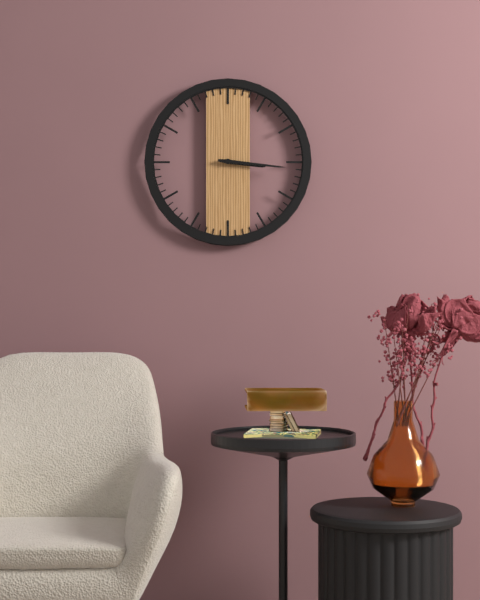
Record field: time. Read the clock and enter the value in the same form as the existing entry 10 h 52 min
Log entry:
3 h 16 min
